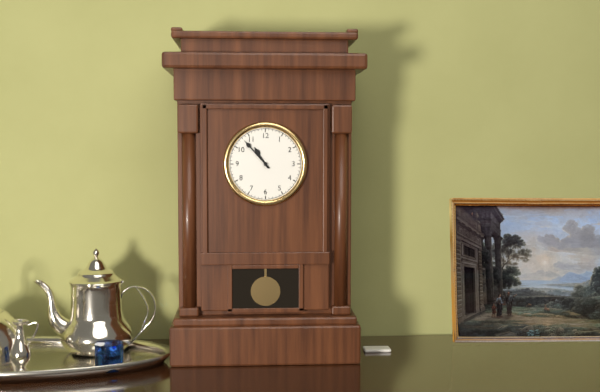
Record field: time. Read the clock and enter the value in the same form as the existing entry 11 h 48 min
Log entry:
10 h 53 min
